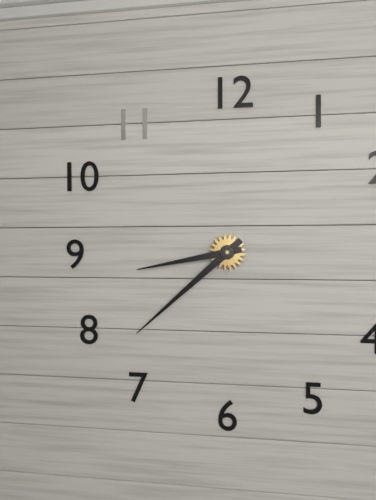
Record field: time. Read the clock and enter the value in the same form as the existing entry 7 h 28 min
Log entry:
8 h 38 min
